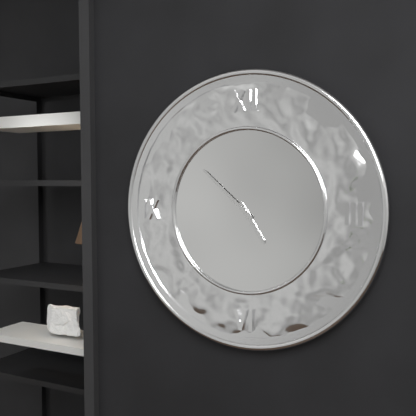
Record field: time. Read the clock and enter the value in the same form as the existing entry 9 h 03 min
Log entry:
4 h 52 min
